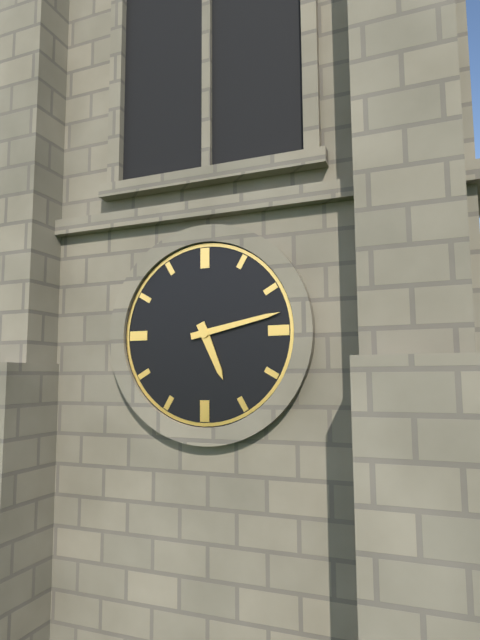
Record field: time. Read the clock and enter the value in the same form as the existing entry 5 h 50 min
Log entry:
5 h 13 min
